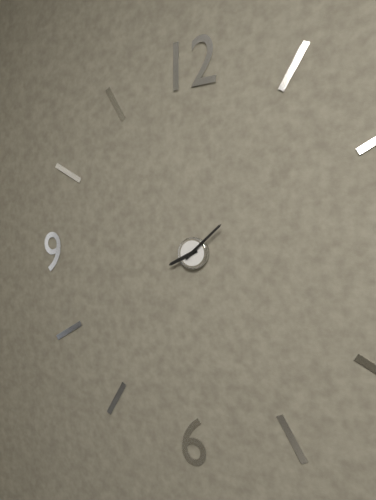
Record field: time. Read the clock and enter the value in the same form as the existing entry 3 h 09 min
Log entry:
8 h 08 min
